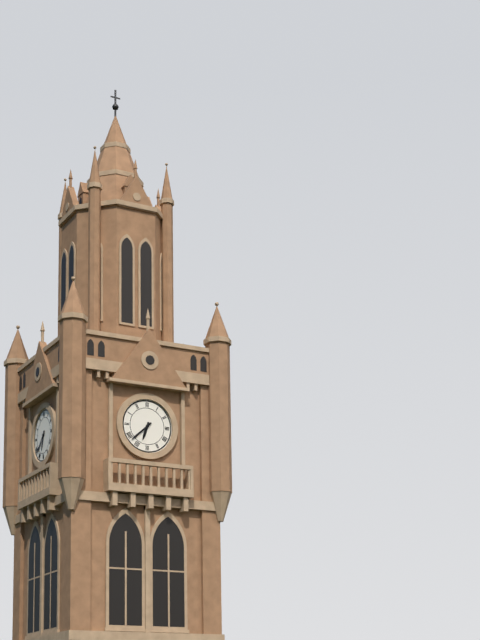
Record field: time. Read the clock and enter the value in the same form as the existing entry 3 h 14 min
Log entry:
6 h 38 min
